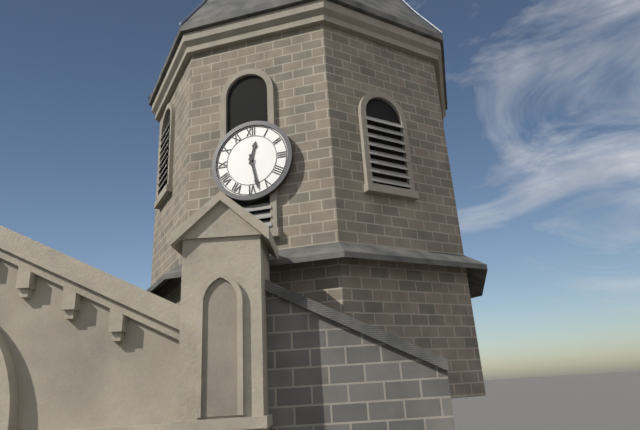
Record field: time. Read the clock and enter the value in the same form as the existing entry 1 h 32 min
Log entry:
12 h 28 min
